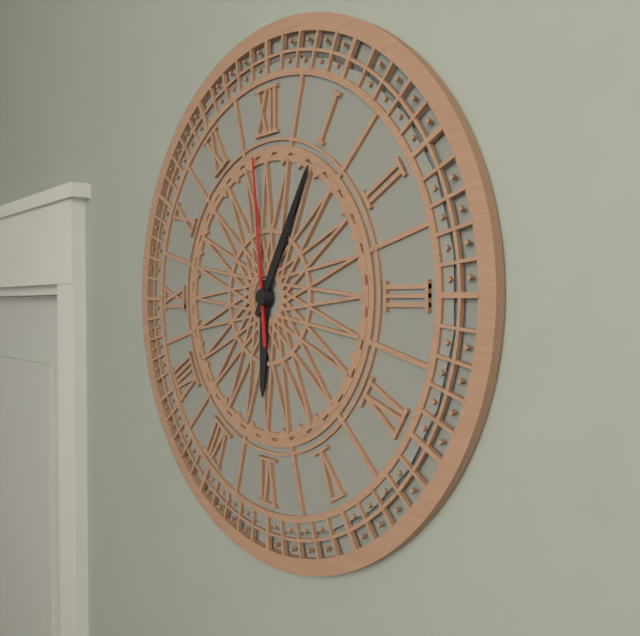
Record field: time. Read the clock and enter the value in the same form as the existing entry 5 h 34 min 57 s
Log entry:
6 h 05 min 59 s
